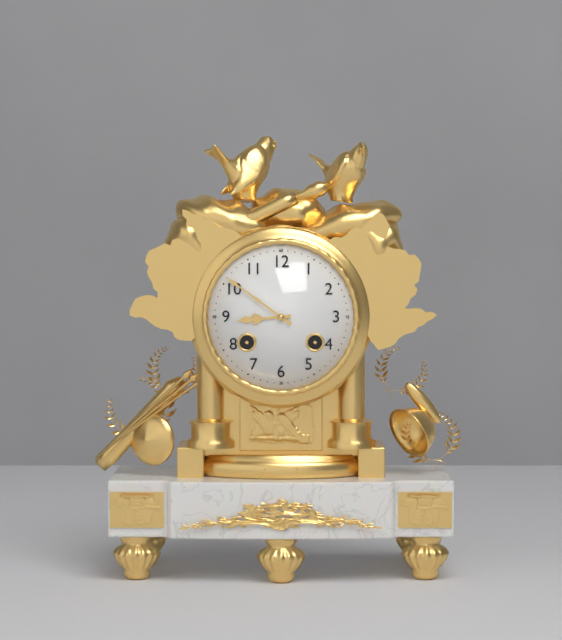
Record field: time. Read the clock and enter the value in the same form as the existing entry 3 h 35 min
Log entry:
8 h 51 min
